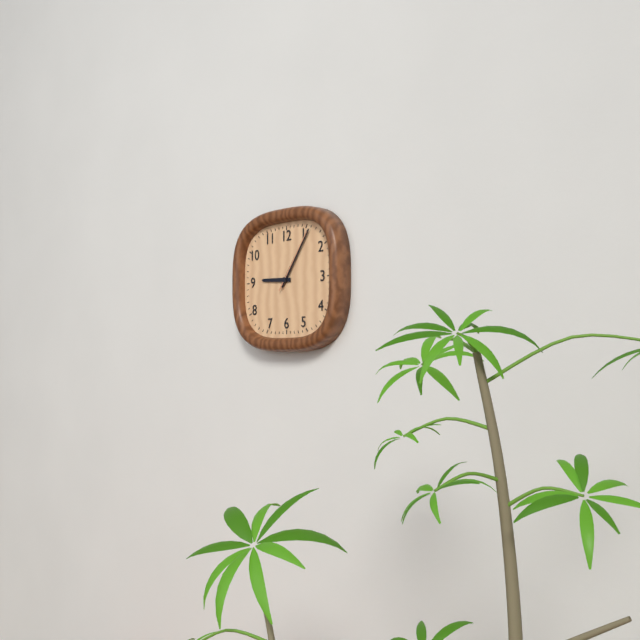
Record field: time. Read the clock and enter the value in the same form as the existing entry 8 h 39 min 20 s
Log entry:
9 h 06 min 06 s
